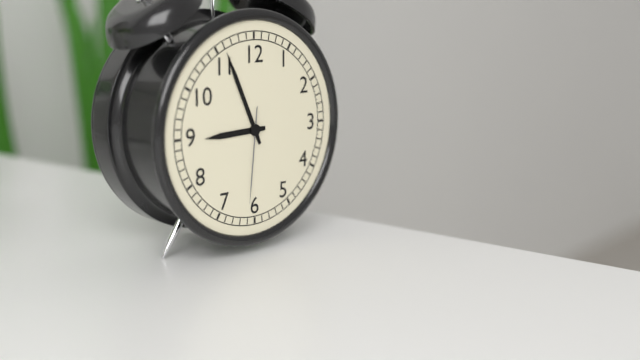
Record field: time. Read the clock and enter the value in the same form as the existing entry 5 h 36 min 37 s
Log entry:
8 h 56 min 31 s
